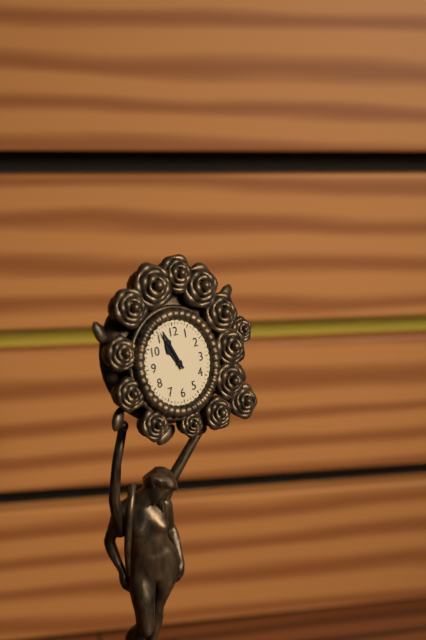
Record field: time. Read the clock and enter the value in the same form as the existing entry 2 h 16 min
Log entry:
10 h 56 min
